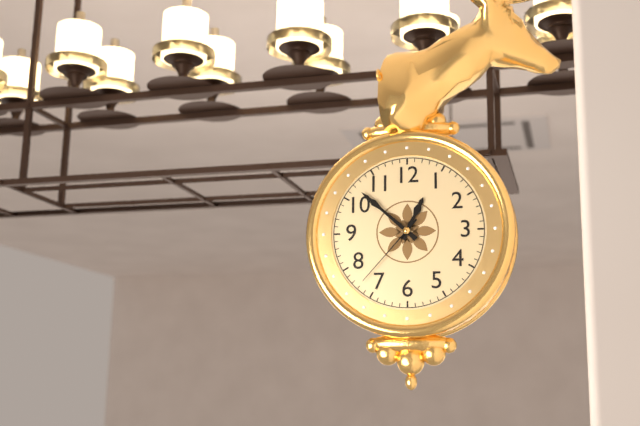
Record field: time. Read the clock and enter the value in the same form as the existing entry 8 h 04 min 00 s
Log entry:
12 h 52 min 37 s
